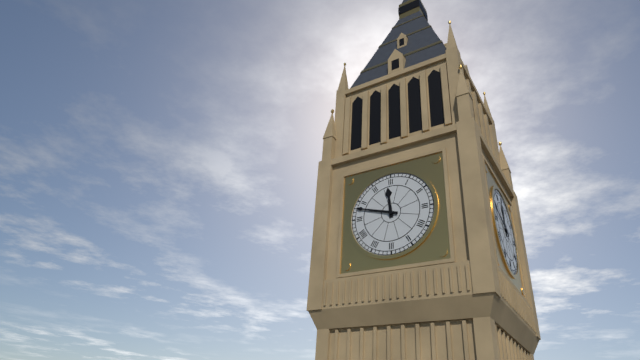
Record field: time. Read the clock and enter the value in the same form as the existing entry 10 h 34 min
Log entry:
11 h 48 min
